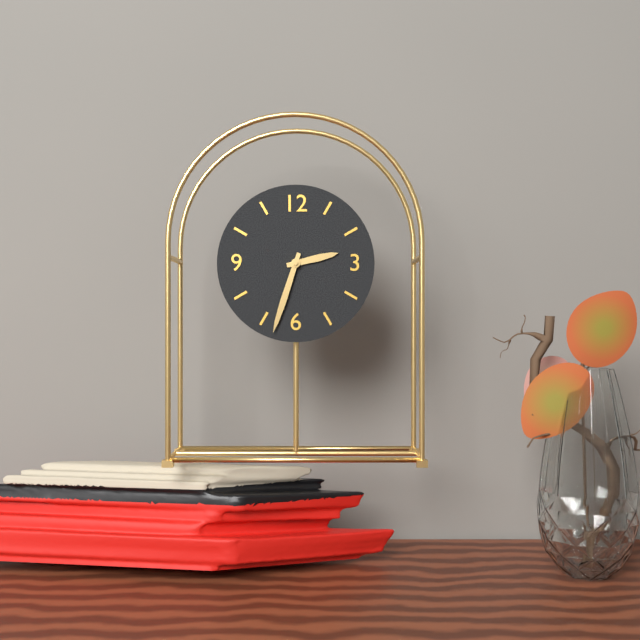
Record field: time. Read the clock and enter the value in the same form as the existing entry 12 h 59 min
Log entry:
2 h 33 min
